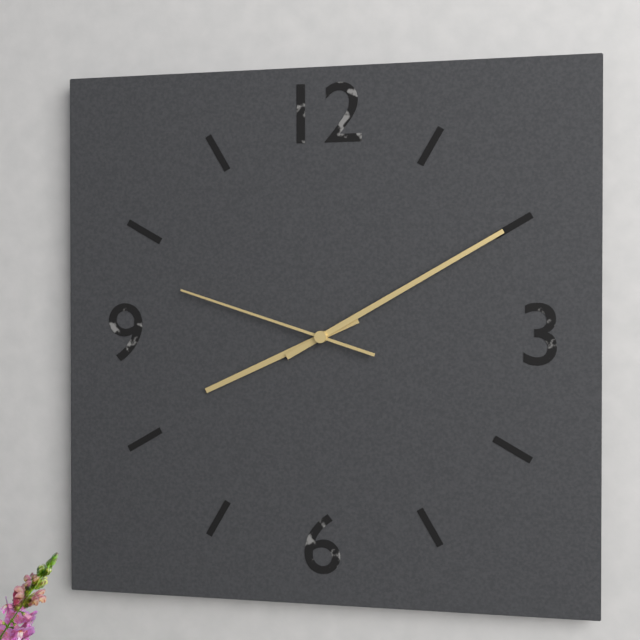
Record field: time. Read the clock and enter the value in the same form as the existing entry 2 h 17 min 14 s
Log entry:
8 h 10 min 48 s
